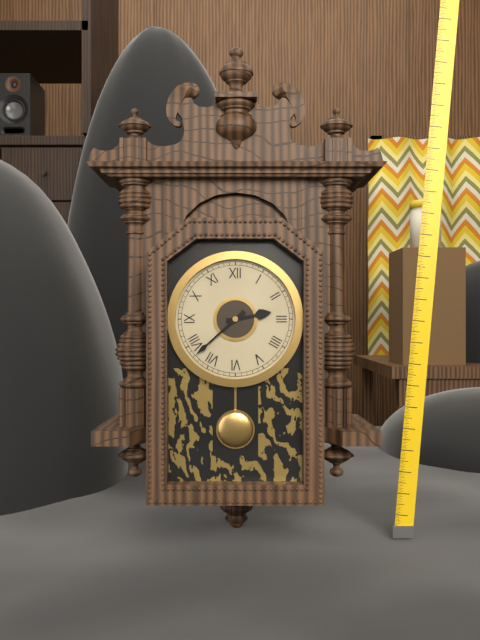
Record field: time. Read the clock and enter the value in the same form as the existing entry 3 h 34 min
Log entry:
2 h 38 min
